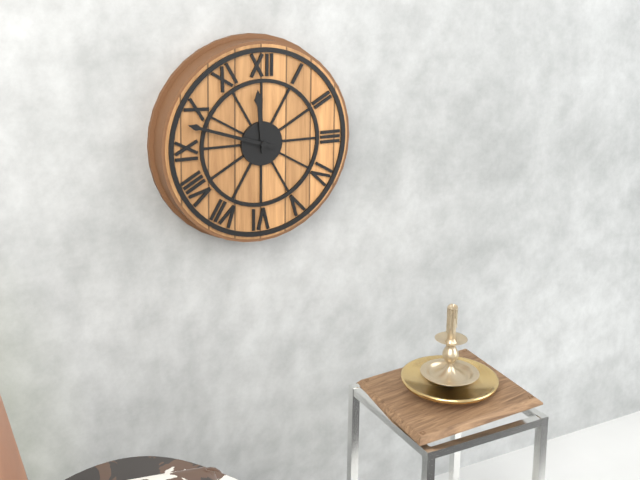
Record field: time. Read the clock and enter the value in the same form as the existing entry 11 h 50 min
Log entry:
11 h 48 min
